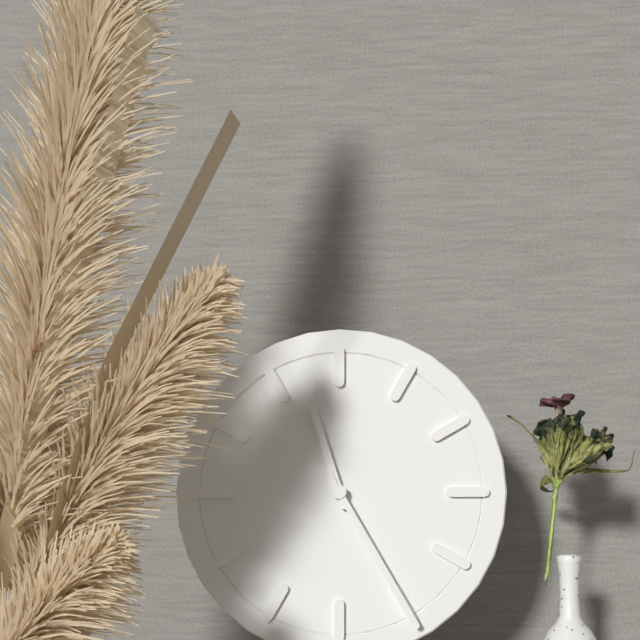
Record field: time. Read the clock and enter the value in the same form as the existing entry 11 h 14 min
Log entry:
11 h 25 min
